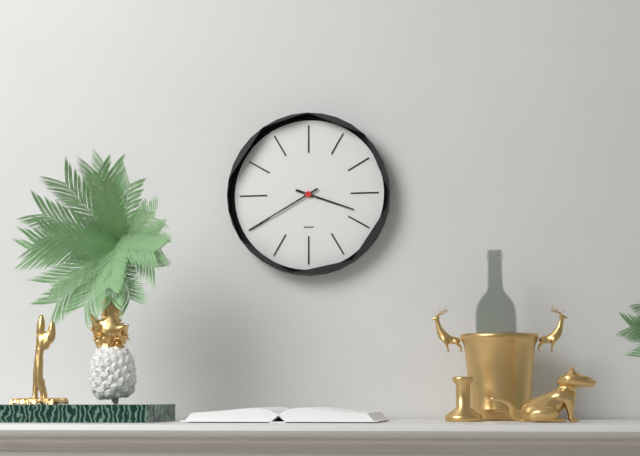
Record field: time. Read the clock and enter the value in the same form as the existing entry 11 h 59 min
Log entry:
3 h 40 min
